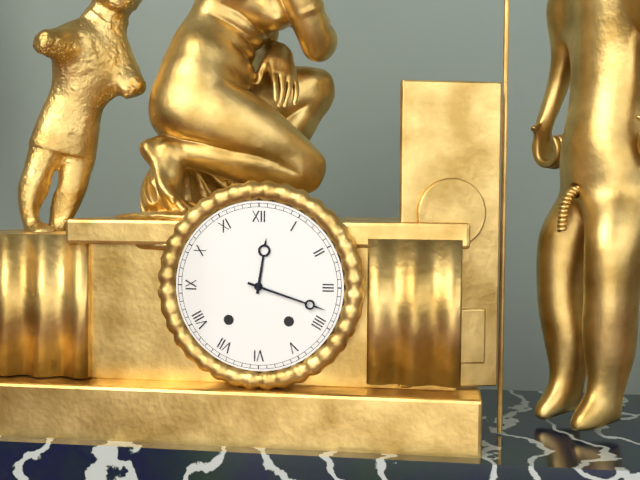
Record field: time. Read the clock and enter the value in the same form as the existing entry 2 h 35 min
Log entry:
12 h 18 min
